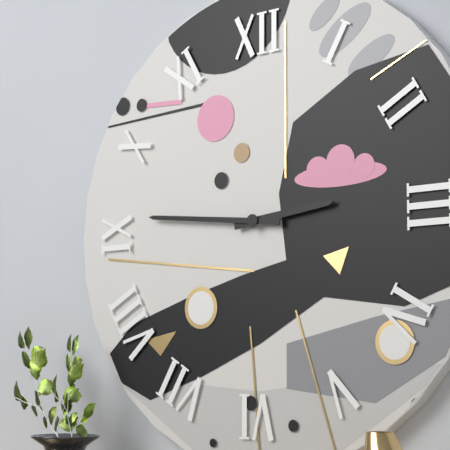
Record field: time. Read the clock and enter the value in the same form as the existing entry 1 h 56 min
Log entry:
2 h 46 min
